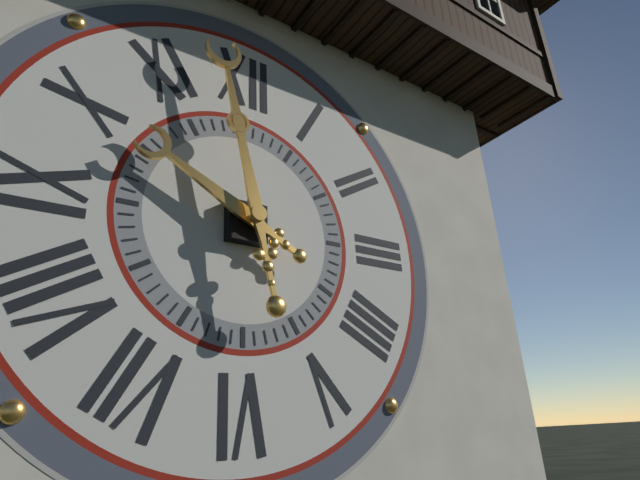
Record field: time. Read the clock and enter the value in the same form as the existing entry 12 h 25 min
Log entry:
9 h 58 min
